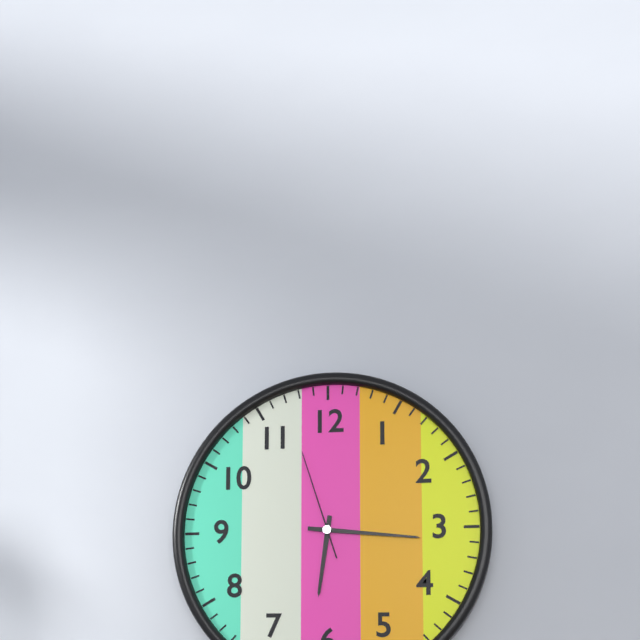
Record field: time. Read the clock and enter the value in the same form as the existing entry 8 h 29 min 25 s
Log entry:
6 h 16 min 57 s
